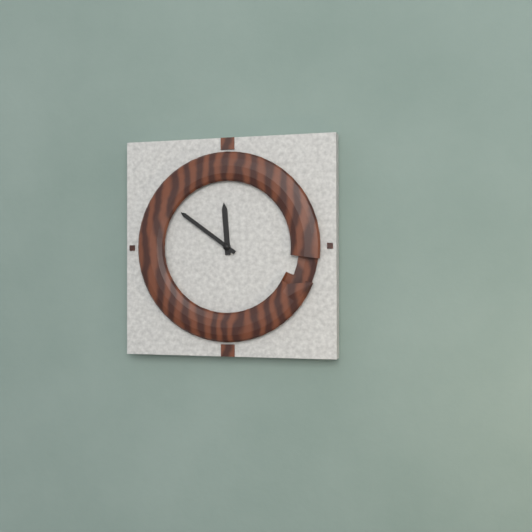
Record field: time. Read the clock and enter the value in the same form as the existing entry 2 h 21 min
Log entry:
11 h 51 min
